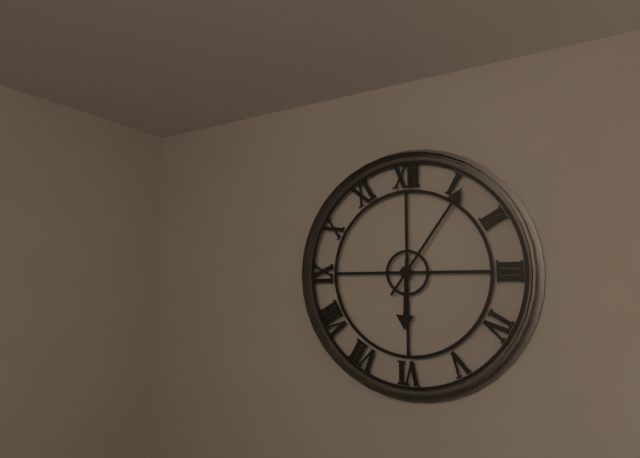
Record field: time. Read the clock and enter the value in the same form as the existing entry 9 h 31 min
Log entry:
6 h 06 min
